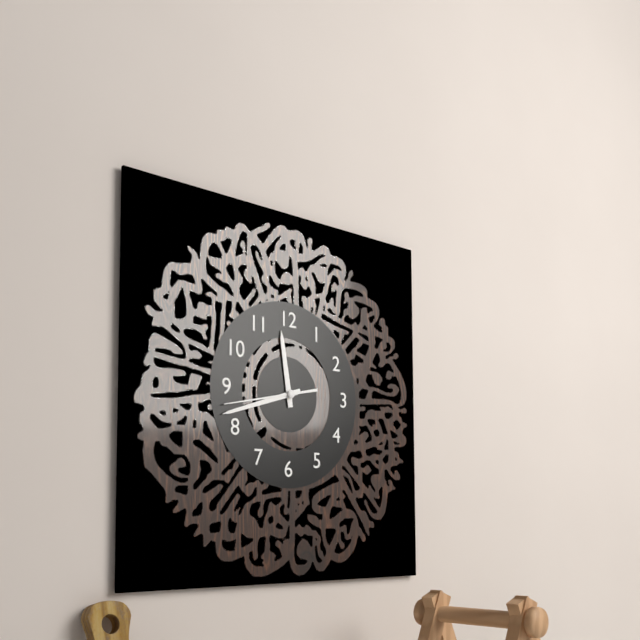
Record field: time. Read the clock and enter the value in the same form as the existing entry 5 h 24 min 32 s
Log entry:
11 h 42 min 43 s
